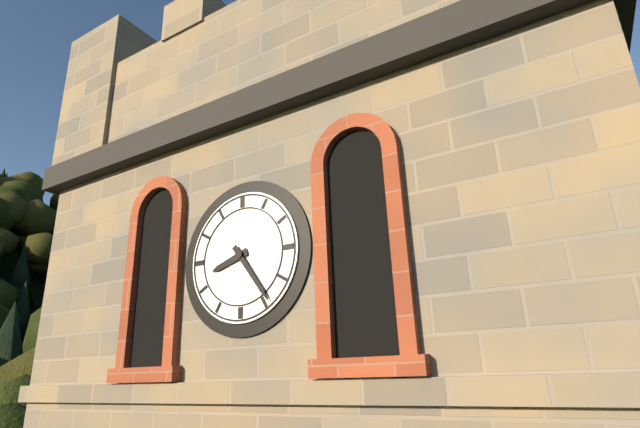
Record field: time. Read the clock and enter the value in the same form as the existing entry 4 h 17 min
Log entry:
8 h 24 min
